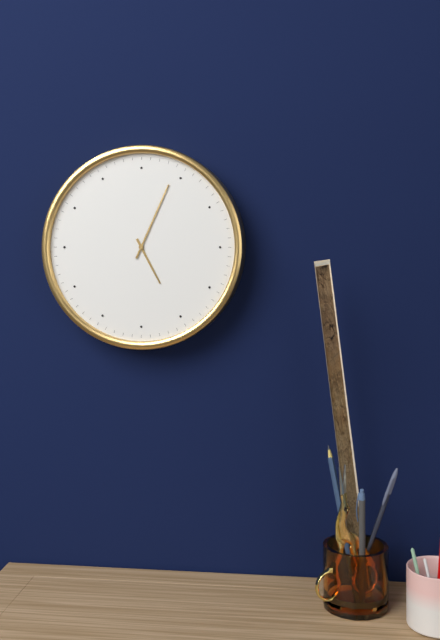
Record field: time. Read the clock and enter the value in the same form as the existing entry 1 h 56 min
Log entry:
5 h 04 min
